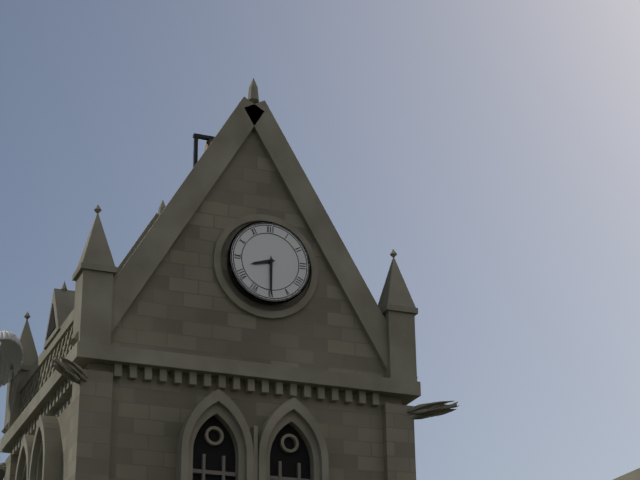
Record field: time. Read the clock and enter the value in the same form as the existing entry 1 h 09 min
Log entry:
8 h 30 min
